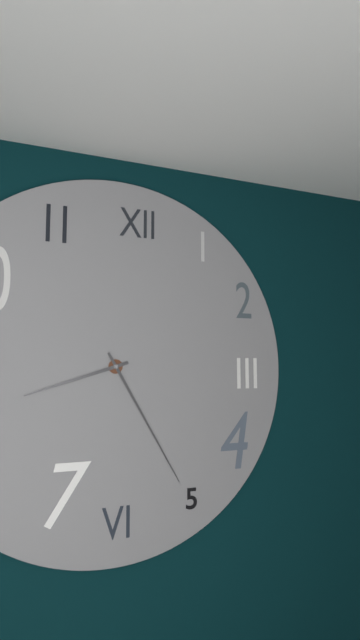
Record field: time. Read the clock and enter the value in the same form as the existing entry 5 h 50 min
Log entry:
8 h 25 min
